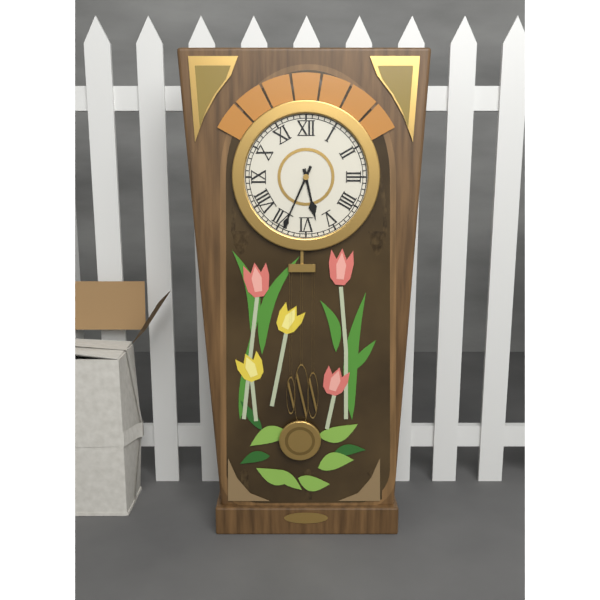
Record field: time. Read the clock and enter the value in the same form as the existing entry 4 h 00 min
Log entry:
5 h 34 min
